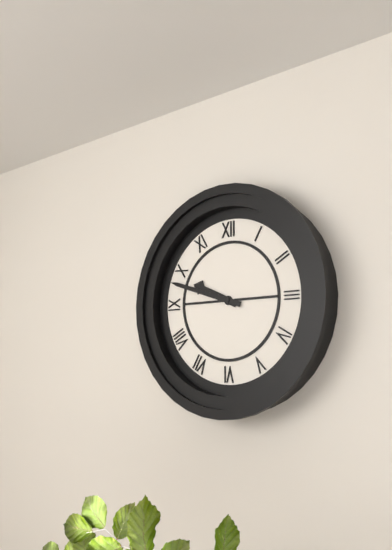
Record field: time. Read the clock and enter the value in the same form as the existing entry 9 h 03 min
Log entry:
9 h 48 min
